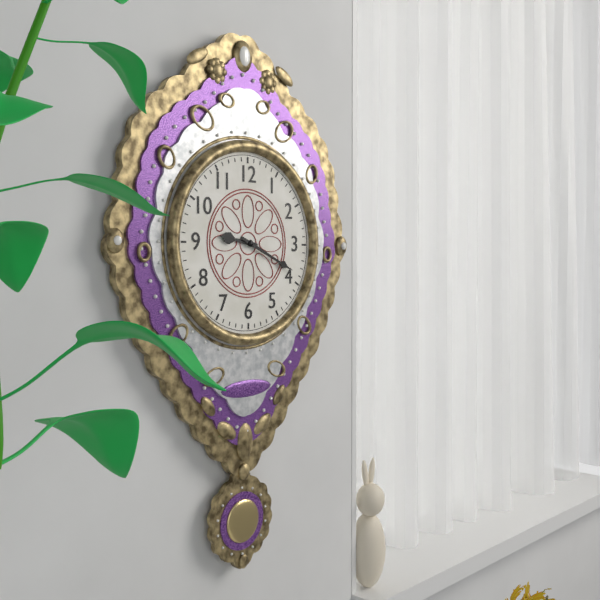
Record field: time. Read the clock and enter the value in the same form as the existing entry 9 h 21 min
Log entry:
9 h 19 min
